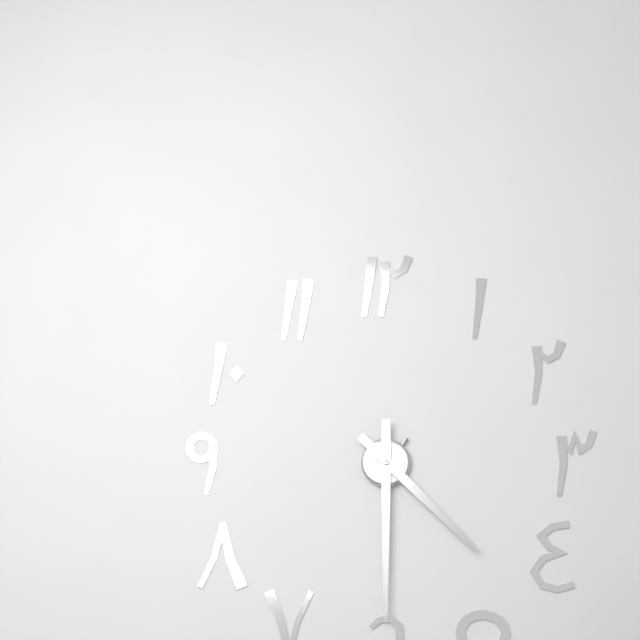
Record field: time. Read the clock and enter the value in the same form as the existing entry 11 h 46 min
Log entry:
4 h 30 min
